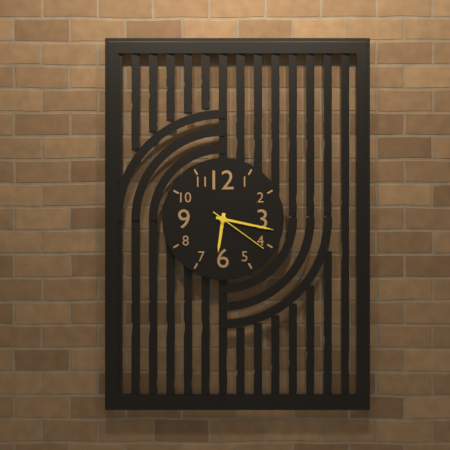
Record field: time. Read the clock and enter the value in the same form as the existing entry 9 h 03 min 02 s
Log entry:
6 h 17 min 21 s
